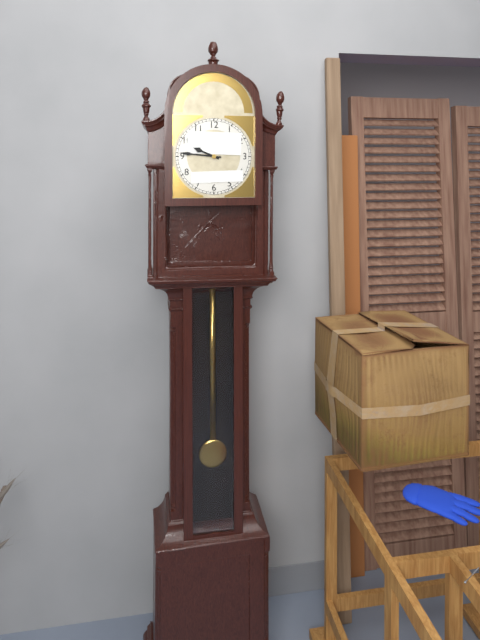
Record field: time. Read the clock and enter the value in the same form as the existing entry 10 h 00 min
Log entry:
9 h 46 min
